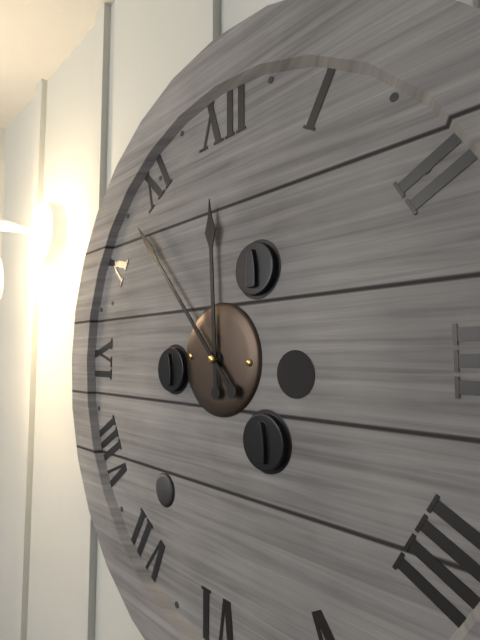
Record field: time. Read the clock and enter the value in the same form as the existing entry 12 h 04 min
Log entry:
11 h 53 min
